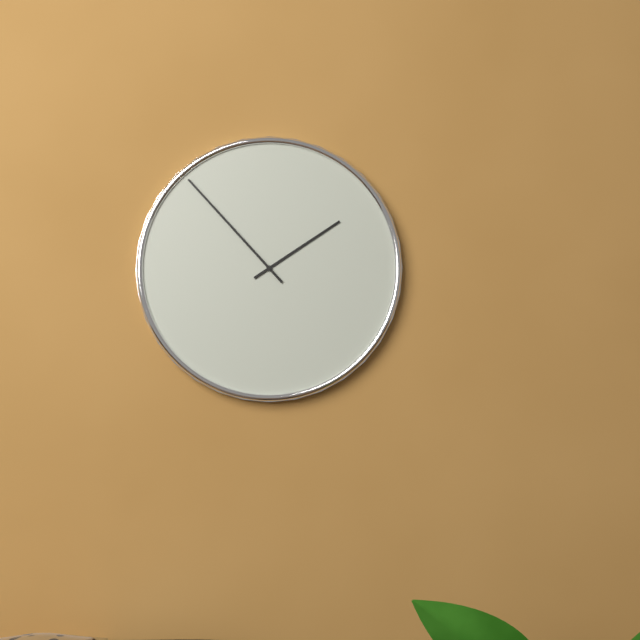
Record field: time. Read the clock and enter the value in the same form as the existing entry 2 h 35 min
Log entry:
1 h 53 min
